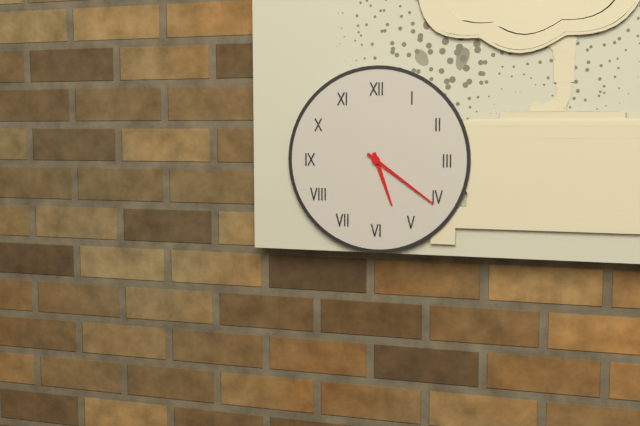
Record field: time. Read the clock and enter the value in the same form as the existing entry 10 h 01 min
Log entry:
5 h 21 min
